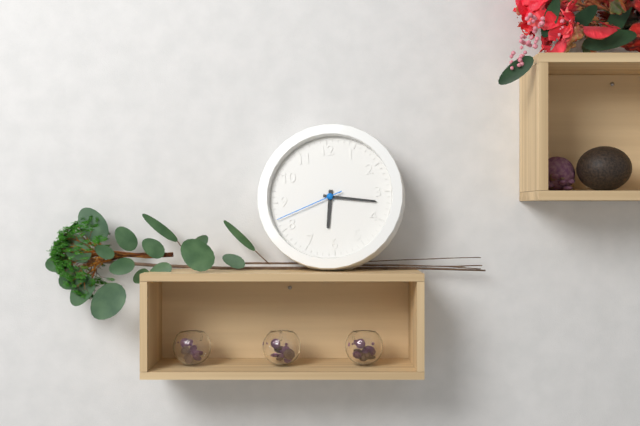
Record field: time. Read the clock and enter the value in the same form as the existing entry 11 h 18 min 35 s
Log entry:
6 h 17 min 42 s
